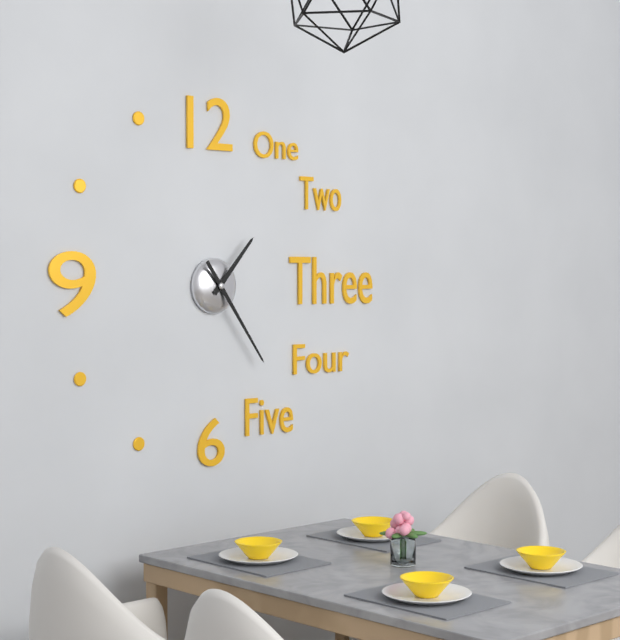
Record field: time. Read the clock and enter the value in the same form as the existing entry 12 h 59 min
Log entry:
1 h 24 min
